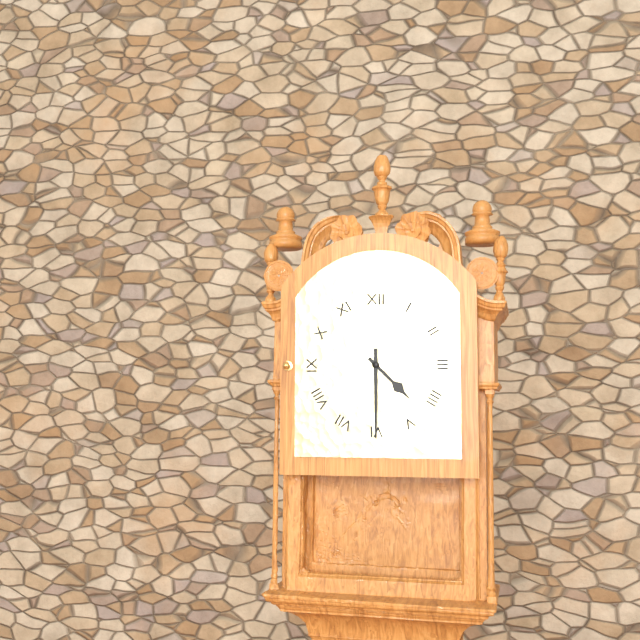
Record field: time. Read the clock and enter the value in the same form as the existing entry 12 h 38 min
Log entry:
4 h 30 min
